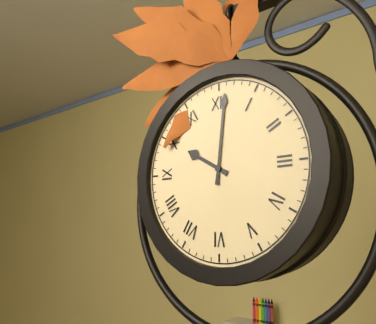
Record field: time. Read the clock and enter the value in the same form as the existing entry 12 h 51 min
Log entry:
10 h 01 min
